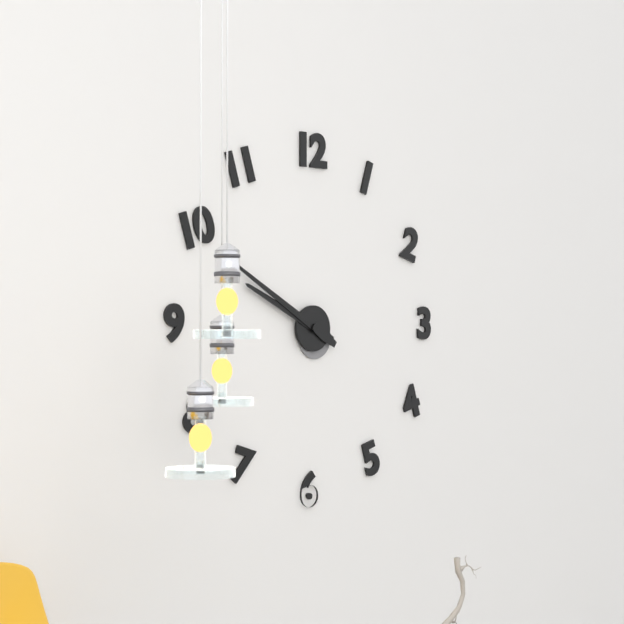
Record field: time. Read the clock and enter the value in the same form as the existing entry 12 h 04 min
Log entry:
9 h 50 min
